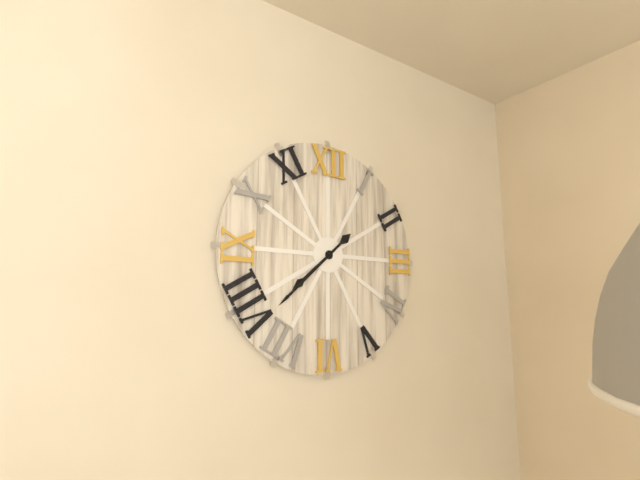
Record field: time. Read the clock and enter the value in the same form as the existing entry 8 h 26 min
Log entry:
7 h 38 min
